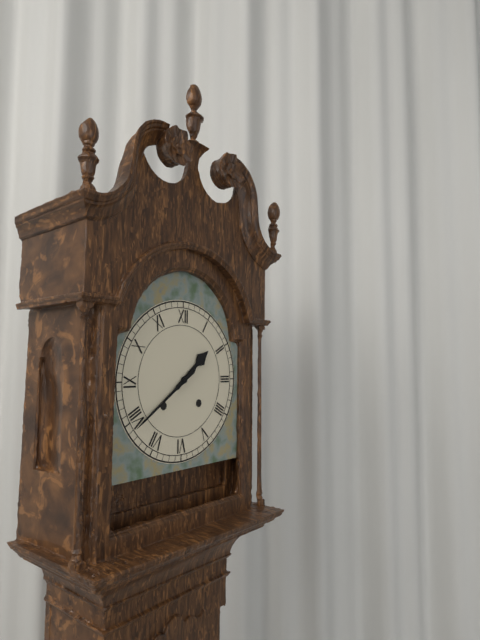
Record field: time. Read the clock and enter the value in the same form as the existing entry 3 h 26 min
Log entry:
1 h 39 min
